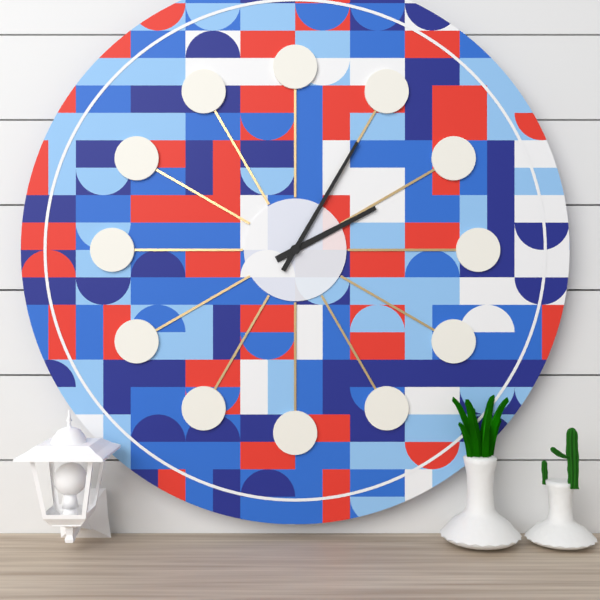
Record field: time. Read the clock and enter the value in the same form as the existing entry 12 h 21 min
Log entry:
2 h 05 min
